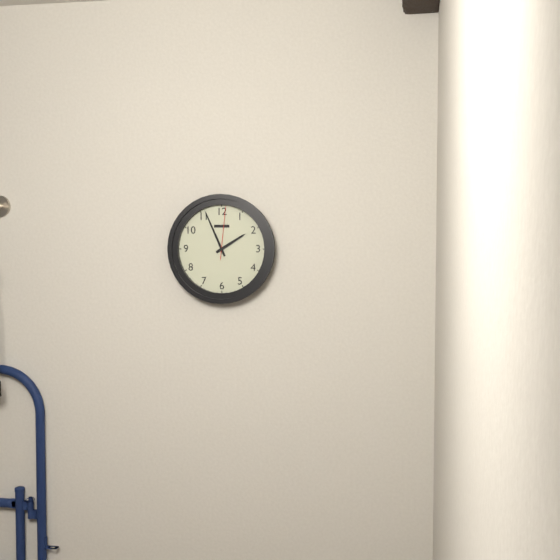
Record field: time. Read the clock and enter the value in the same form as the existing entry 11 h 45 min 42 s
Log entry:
1 h 56 min 01 s
